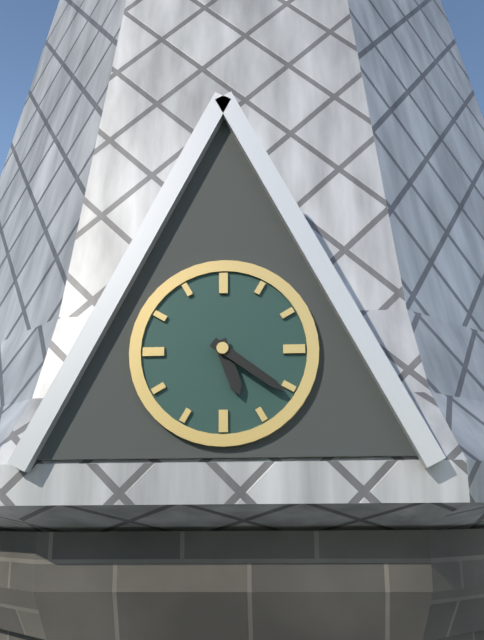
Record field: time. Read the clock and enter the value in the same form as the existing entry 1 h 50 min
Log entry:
5 h 21 min
